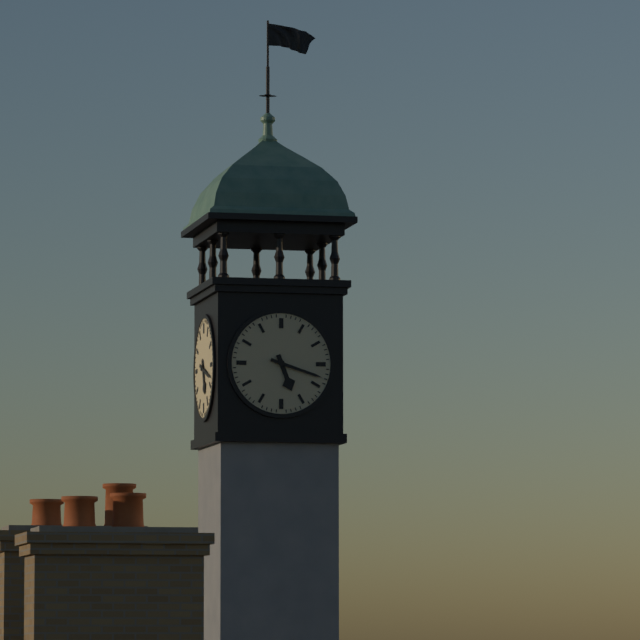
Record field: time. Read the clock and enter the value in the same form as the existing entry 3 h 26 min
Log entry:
5 h 18 min
